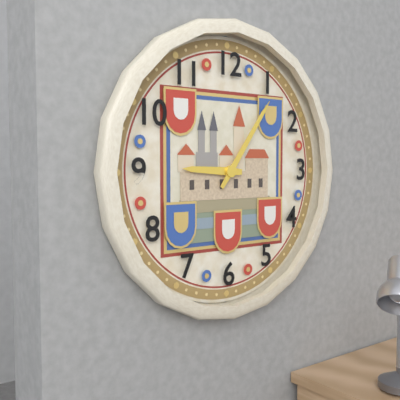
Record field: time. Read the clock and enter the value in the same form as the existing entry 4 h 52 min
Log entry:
9 h 06 min
